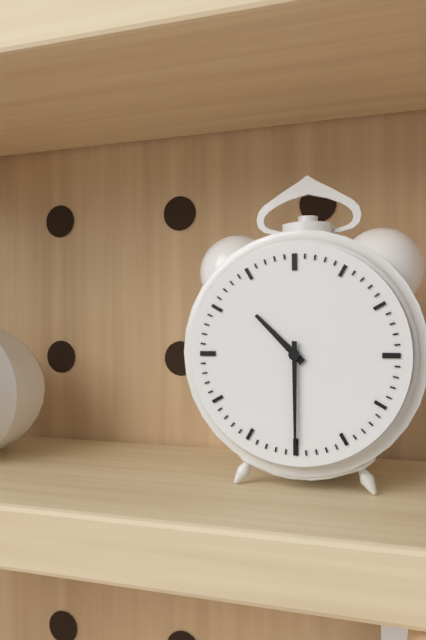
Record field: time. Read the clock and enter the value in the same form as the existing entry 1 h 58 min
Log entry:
10 h 30 min
